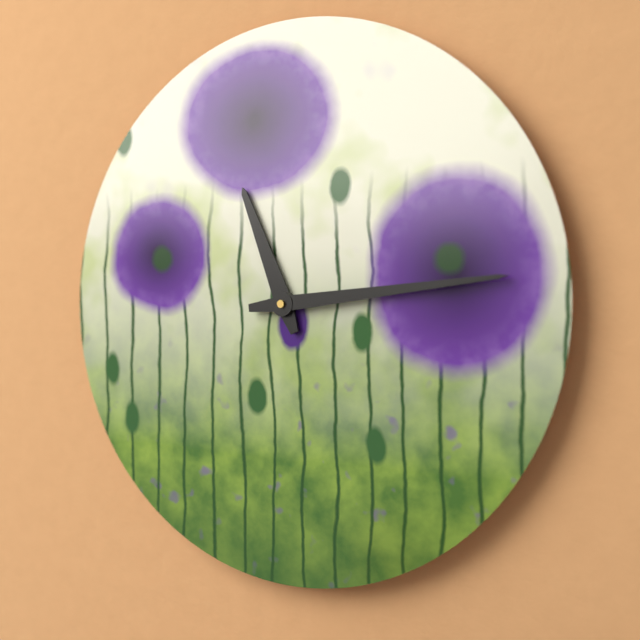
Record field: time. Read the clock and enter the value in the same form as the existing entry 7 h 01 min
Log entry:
11 h 14 min
